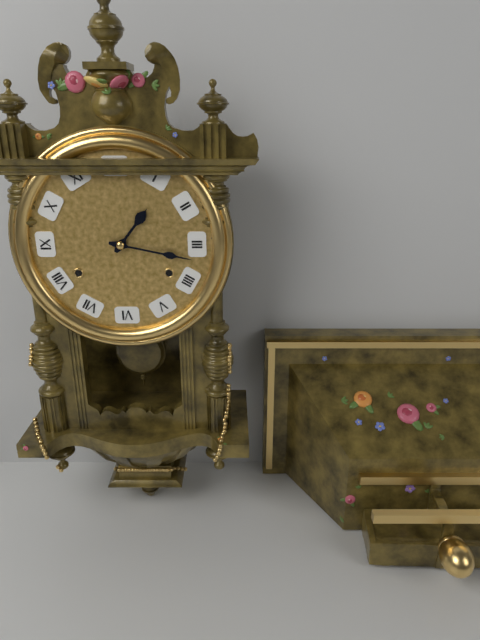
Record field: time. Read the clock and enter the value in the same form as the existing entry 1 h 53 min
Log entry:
1 h 17 min
